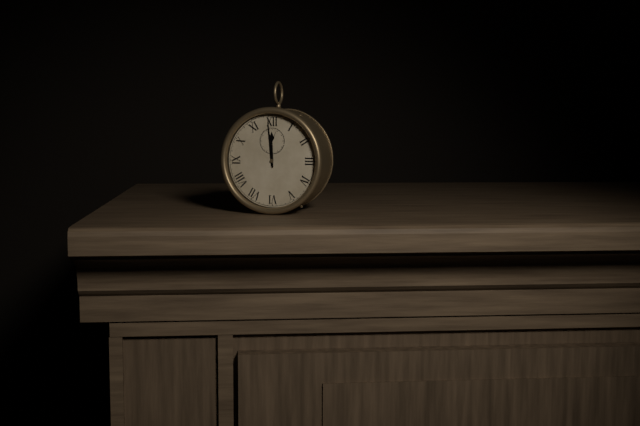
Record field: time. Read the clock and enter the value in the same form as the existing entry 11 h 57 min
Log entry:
11 h 59 min
